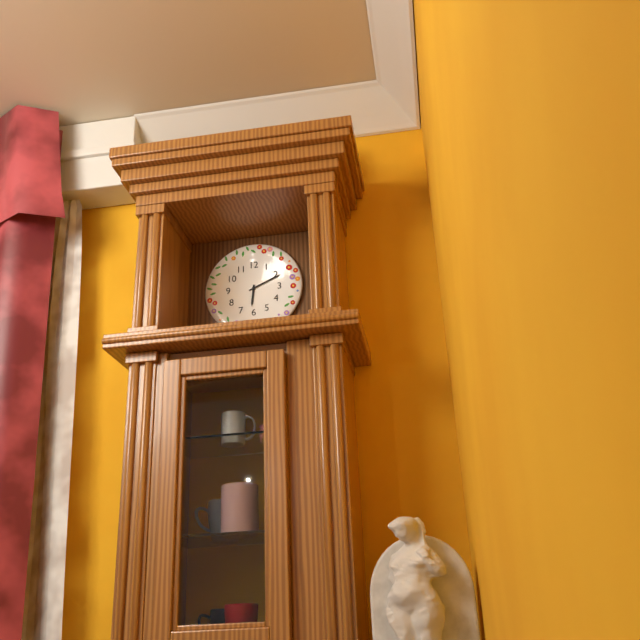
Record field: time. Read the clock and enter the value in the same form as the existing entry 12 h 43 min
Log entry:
6 h 11 min
